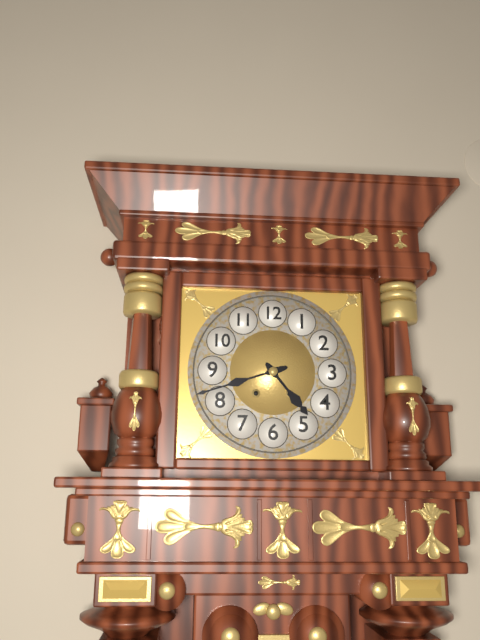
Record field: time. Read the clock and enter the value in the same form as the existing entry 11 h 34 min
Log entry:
4 h 42 min
